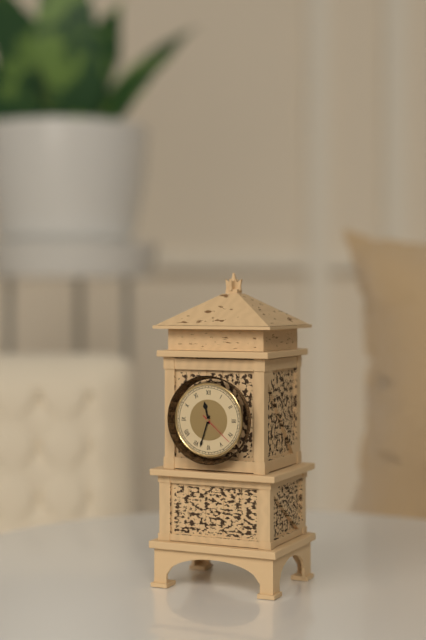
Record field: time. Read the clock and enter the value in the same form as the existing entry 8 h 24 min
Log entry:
11 h 33 min
